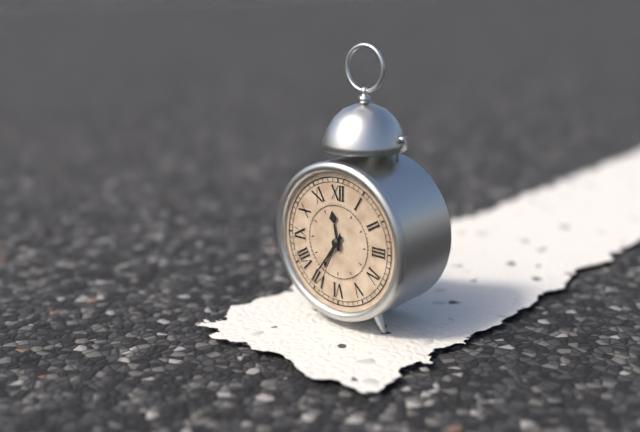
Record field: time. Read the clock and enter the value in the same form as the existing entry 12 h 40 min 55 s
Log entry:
11 h 36 min 34 s
